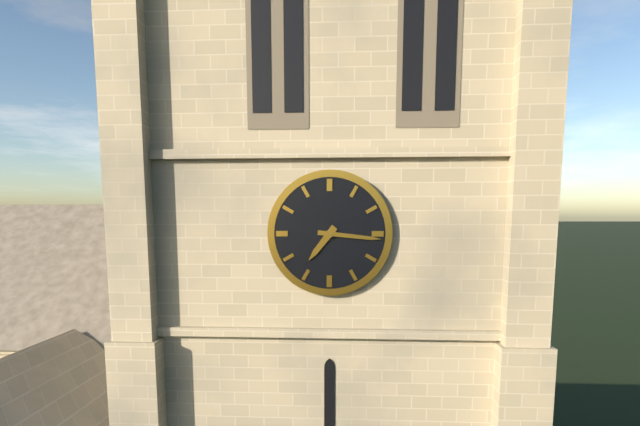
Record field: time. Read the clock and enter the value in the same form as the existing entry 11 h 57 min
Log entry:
7 h 16 min
